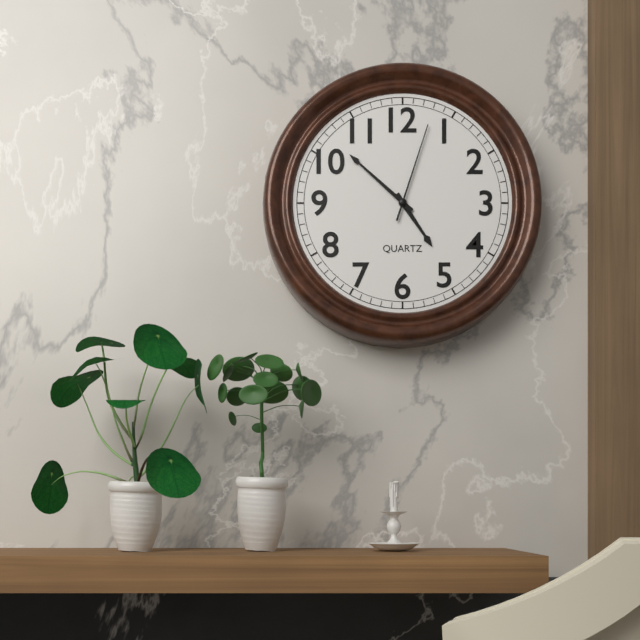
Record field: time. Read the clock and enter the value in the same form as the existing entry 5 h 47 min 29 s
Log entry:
4 h 52 min 03 s
